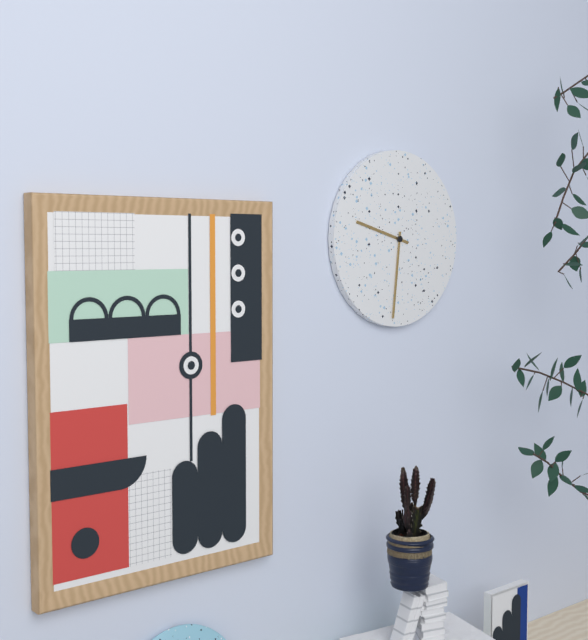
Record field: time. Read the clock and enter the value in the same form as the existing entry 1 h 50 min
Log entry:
9 h 31 min
